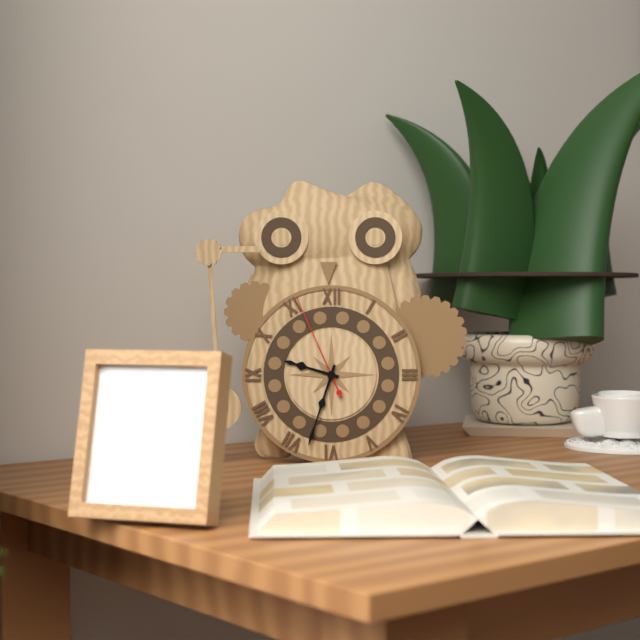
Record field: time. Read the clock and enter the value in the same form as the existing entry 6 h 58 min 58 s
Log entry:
9 h 33 min 56 s
